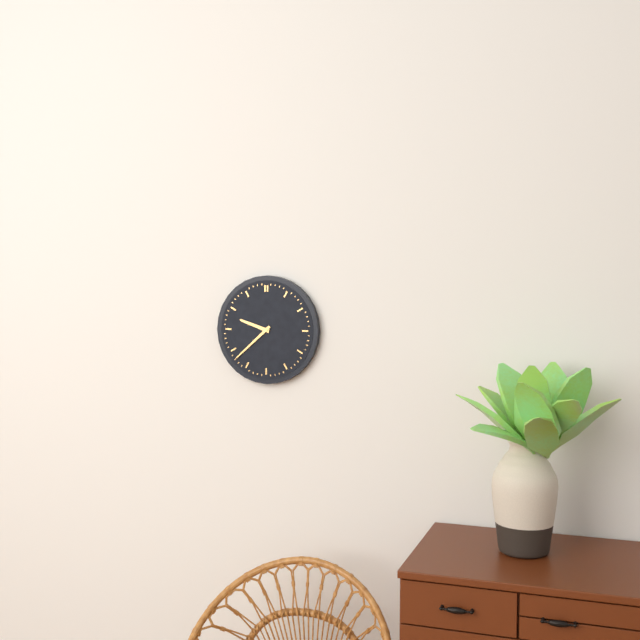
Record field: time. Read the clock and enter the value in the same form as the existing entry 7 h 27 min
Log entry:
9 h 38 min
